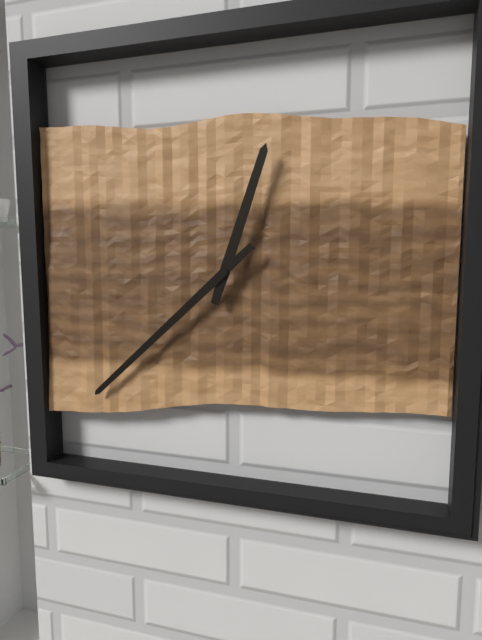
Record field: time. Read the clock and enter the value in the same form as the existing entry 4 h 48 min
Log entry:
12 h 38 min
